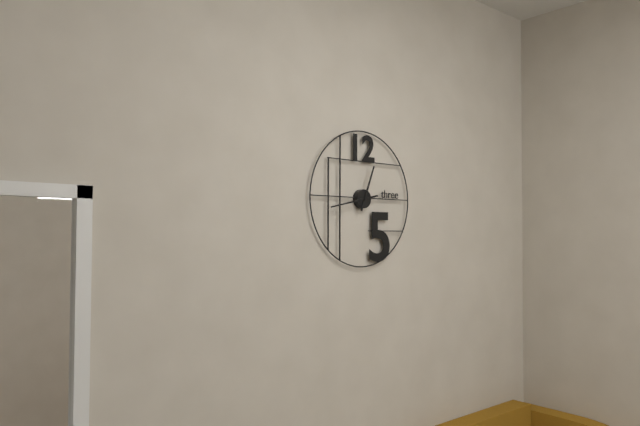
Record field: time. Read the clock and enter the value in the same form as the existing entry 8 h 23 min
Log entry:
12 h 43 min
